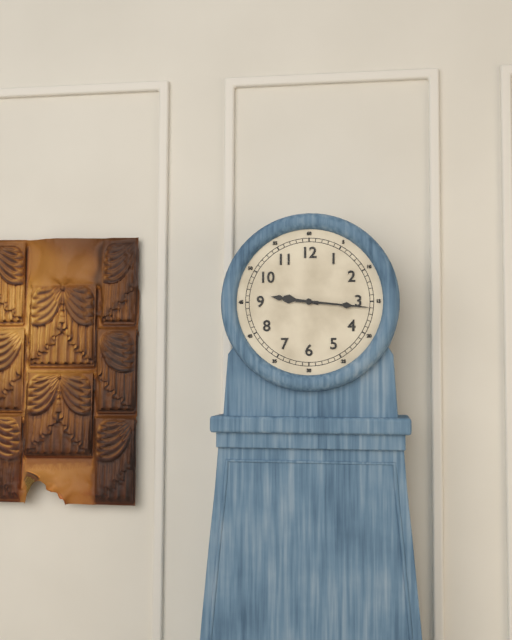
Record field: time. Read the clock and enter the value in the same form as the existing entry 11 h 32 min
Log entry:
9 h 16 min
